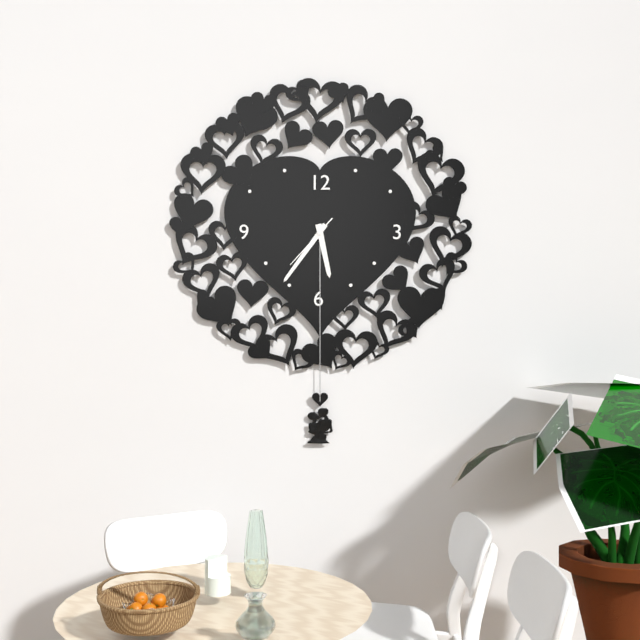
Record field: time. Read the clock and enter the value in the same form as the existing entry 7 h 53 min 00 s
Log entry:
5 h 36 min 37 s
